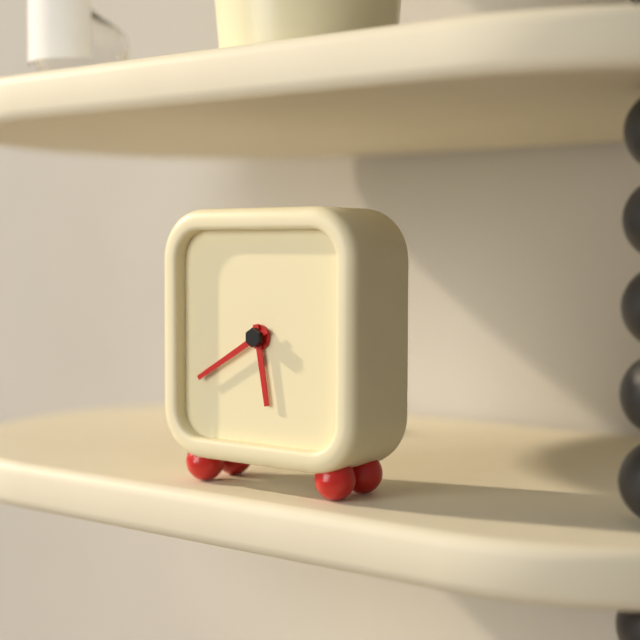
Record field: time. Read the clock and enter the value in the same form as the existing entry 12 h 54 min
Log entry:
5 h 40 min
